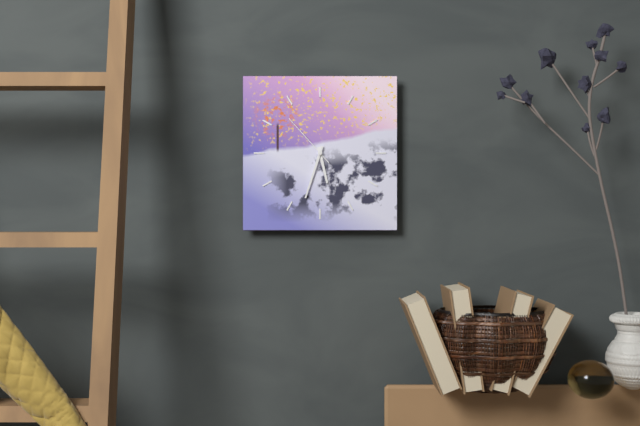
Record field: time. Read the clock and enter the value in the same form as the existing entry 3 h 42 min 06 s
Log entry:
5 h 33 min 53 s
